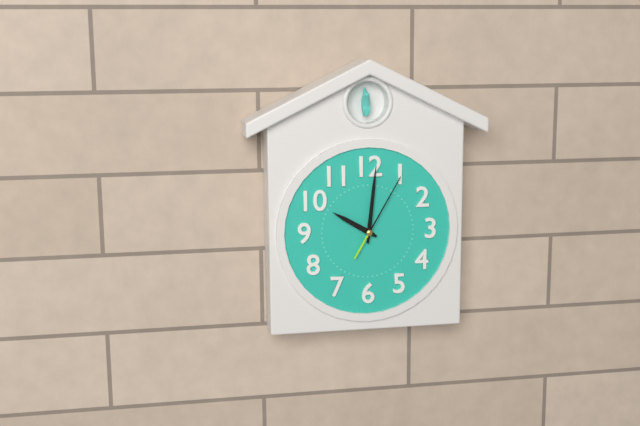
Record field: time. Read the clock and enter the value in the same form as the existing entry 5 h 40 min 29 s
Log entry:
10 h 01 min 05 s
